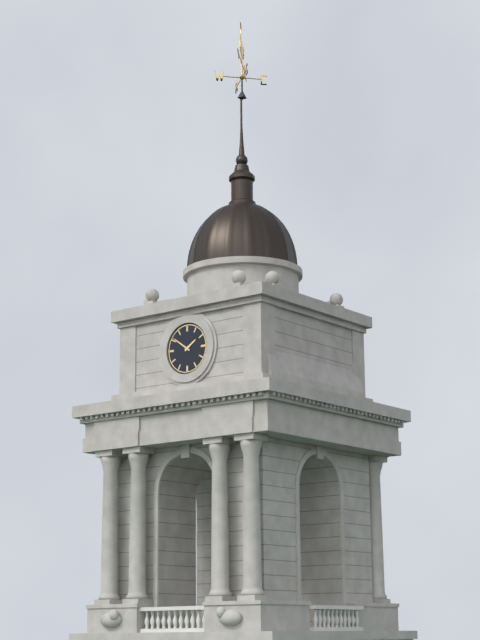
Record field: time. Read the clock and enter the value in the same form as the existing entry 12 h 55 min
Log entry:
1 h 51 min
